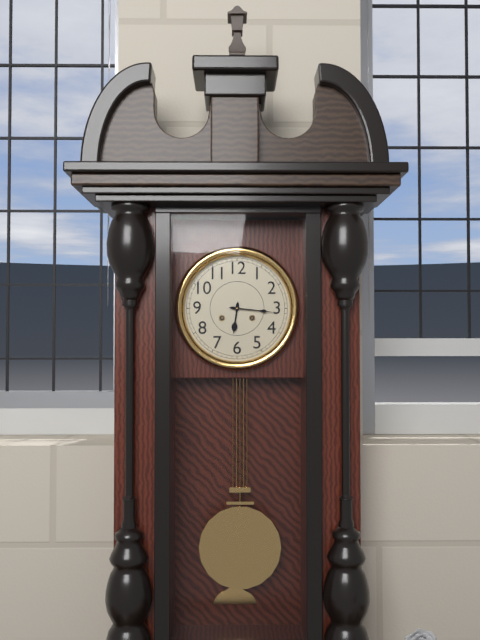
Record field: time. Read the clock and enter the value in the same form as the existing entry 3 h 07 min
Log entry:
6 h 16 min
